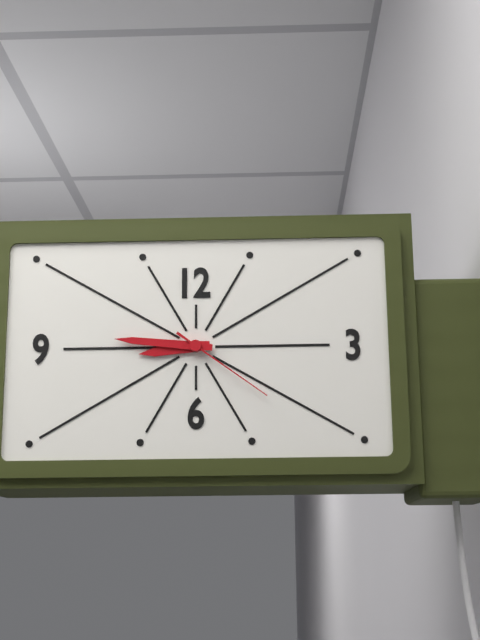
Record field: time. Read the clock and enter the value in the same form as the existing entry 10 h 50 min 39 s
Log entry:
8 h 46 min 21 s
